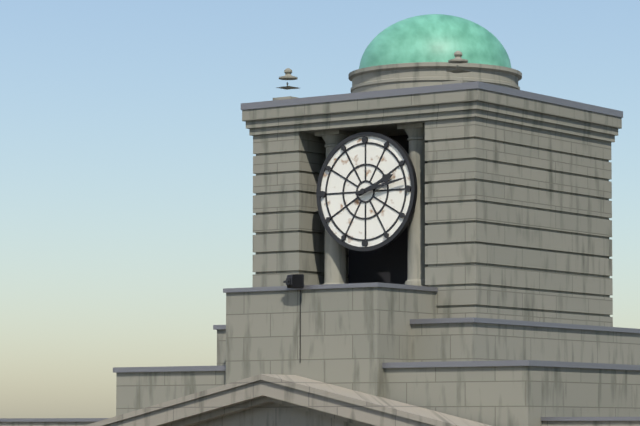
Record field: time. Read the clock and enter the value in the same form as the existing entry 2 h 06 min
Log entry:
2 h 13 min
